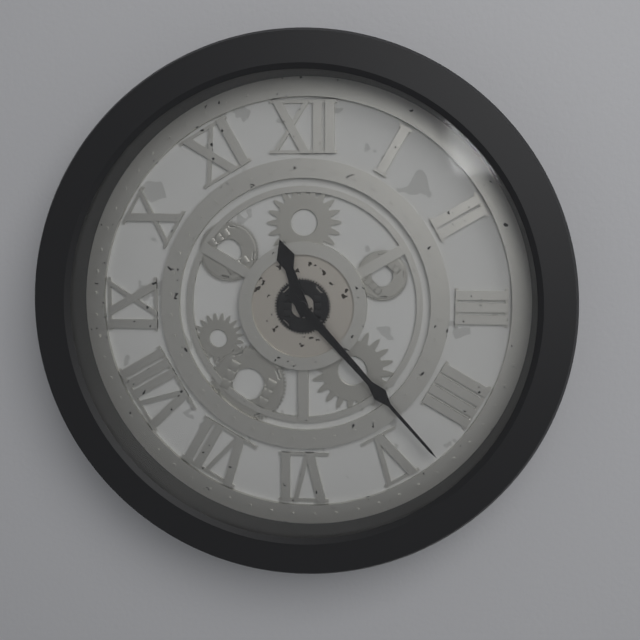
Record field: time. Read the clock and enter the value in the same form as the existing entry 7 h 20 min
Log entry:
11 h 23 min
